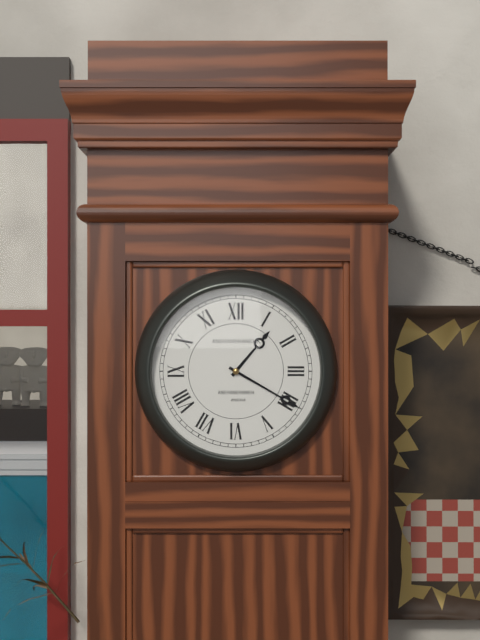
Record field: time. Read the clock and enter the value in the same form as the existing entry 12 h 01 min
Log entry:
1 h 20 min
